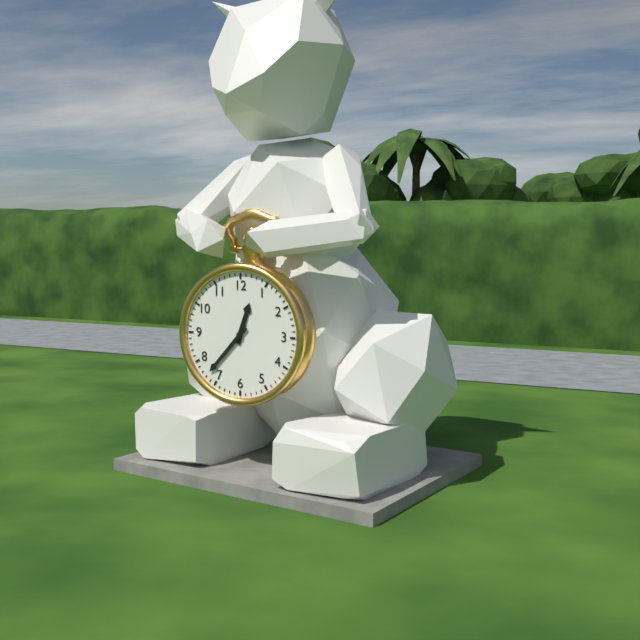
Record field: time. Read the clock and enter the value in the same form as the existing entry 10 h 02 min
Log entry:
12 h 37 min
